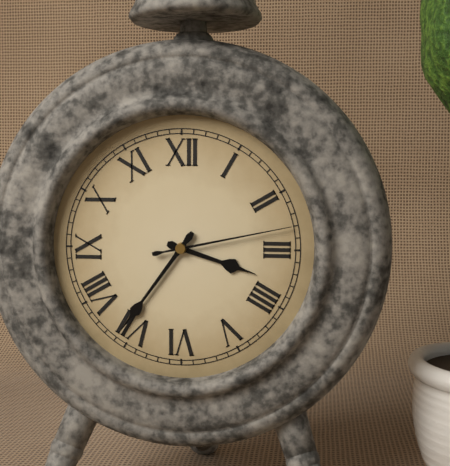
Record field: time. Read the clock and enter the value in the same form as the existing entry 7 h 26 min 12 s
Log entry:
3 h 36 min 13 s
